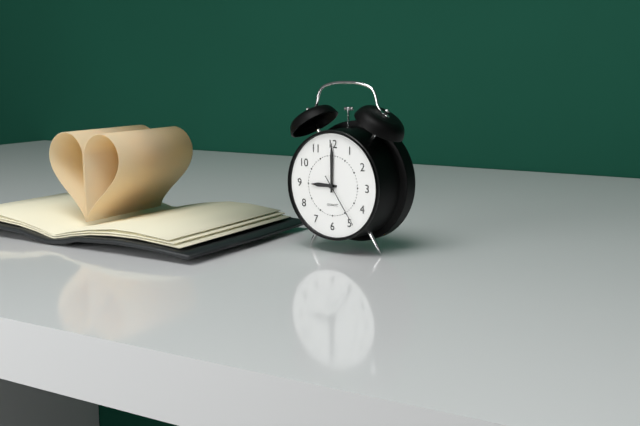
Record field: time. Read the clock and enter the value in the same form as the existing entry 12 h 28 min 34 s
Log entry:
9 h 00 min 24 s
